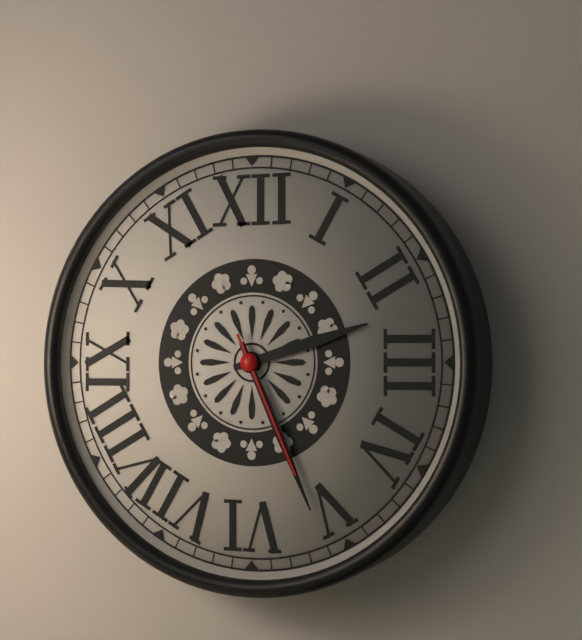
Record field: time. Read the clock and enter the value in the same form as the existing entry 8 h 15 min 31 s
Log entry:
2 h 26 min 26 s
